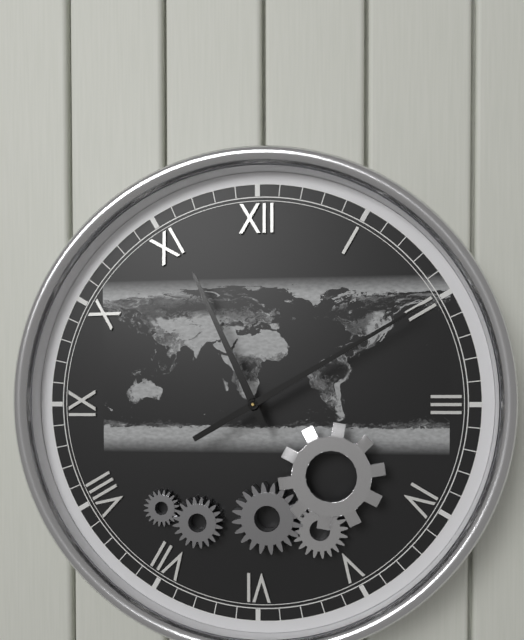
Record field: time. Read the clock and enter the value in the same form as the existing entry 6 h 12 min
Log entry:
11 h 10 min
